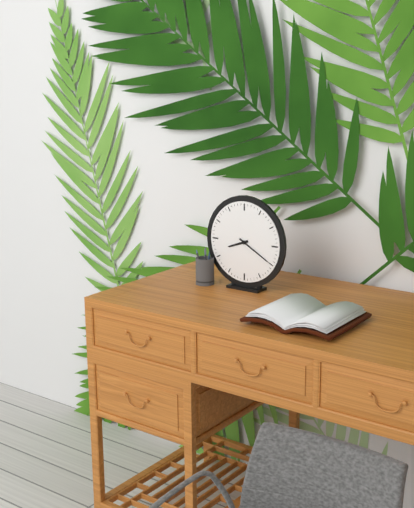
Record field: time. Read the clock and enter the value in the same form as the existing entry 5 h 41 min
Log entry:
8 h 20 min
